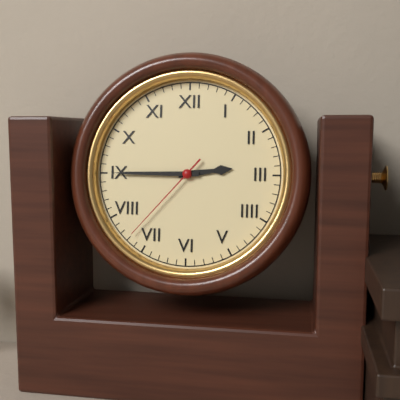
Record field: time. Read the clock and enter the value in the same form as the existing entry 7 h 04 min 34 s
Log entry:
2 h 45 min 37 s
